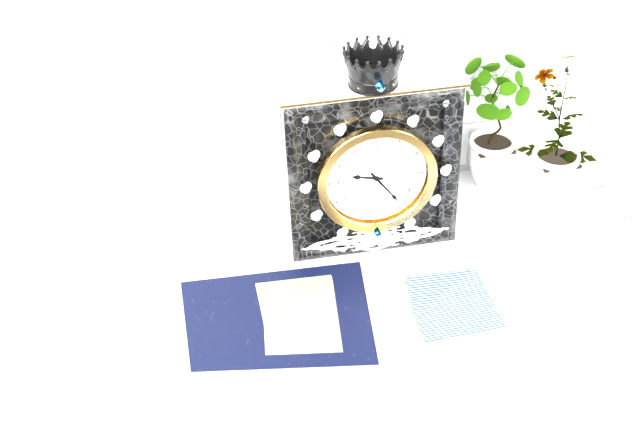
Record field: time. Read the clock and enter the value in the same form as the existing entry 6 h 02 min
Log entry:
9 h 24 min
